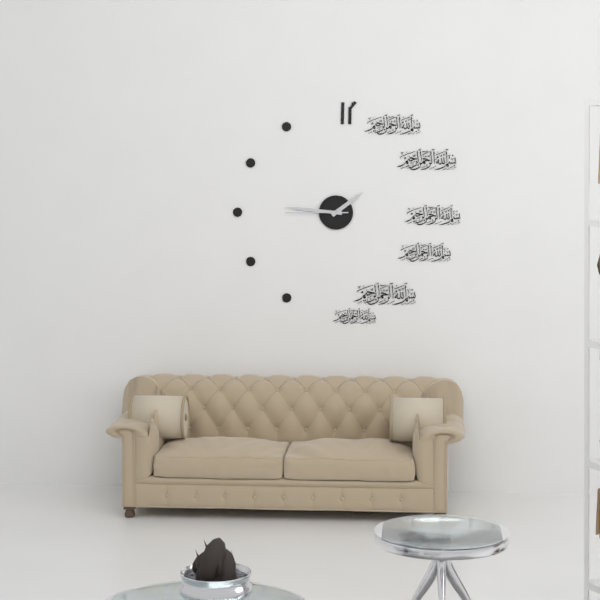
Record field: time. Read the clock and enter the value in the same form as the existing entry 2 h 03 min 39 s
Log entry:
1 h 46 min 45 s
